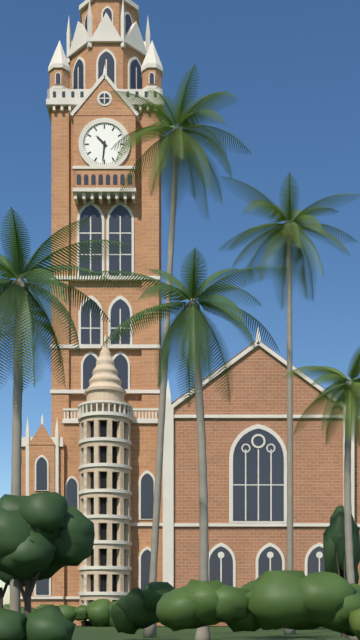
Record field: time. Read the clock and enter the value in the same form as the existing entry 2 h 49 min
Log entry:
10 h 31 min
